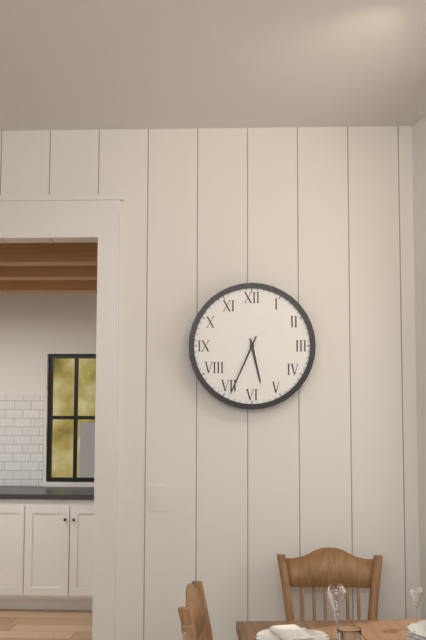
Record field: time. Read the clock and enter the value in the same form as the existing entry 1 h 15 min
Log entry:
5 h 34 min
